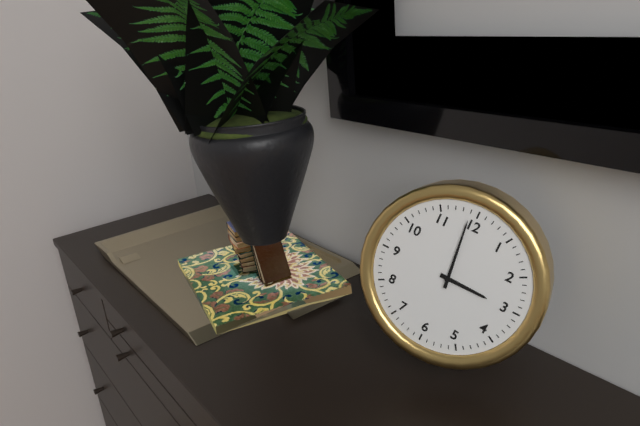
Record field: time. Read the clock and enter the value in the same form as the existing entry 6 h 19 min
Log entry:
2 h 59 min
